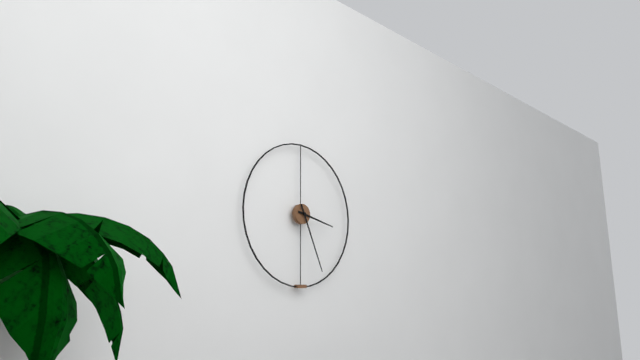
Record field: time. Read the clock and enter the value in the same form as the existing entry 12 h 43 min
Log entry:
3 h 26 min
